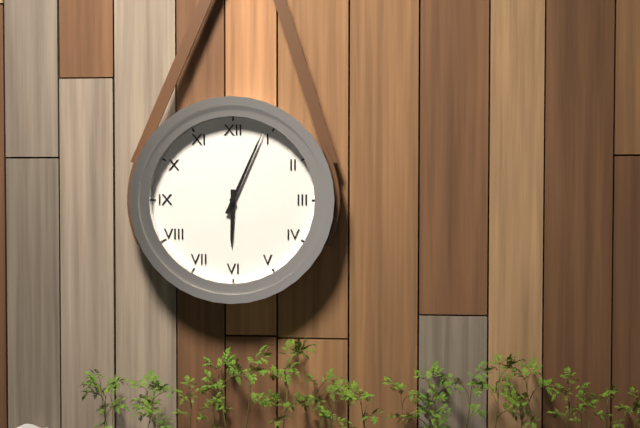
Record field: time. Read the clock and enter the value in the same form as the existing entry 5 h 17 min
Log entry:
6 h 04 min
